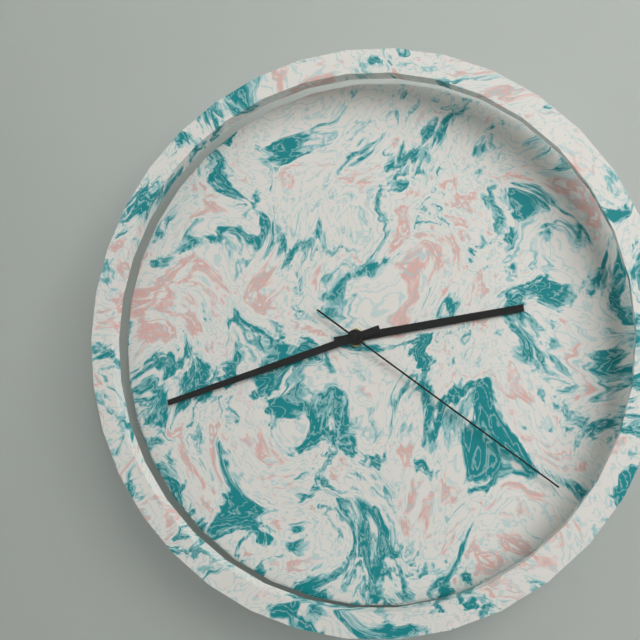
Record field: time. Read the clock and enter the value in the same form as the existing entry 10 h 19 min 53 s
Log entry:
2 h 42 min 21 s
